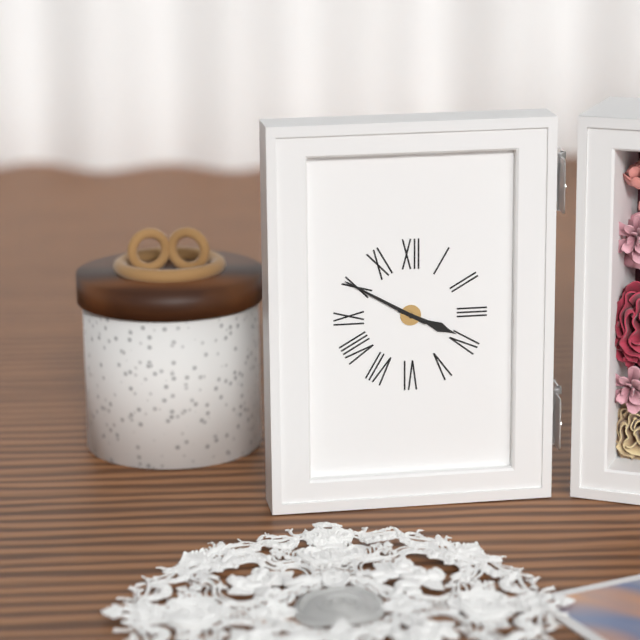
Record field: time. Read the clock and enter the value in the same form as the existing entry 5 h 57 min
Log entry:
3 h 50 min
